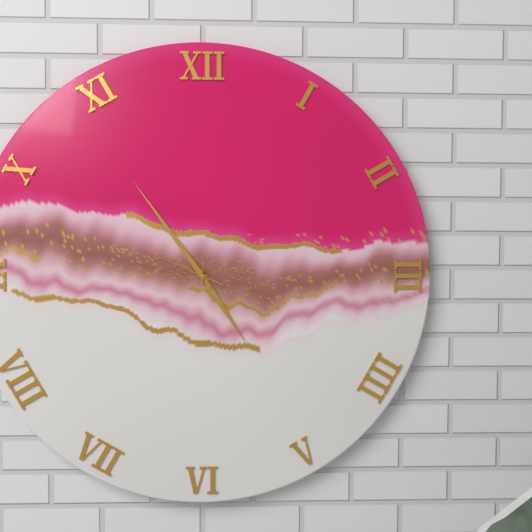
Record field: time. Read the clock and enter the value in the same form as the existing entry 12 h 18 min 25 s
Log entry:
4 h 54 min 49 s
